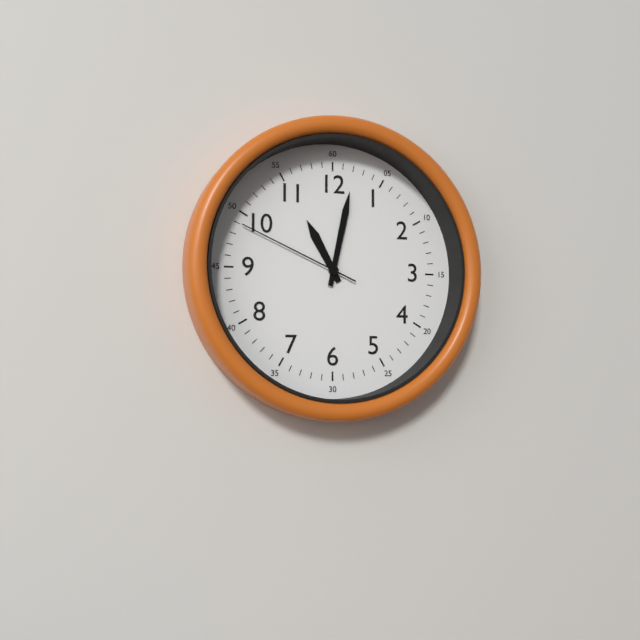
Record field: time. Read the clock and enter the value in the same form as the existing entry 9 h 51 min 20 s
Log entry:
11 h 02 min 49 s
